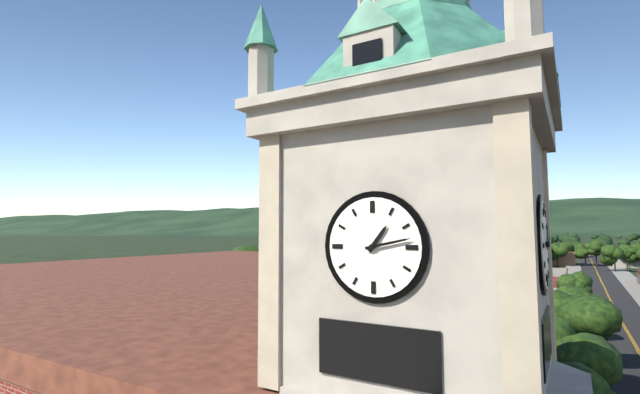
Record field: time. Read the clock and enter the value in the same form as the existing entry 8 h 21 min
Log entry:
1 h 13 min
